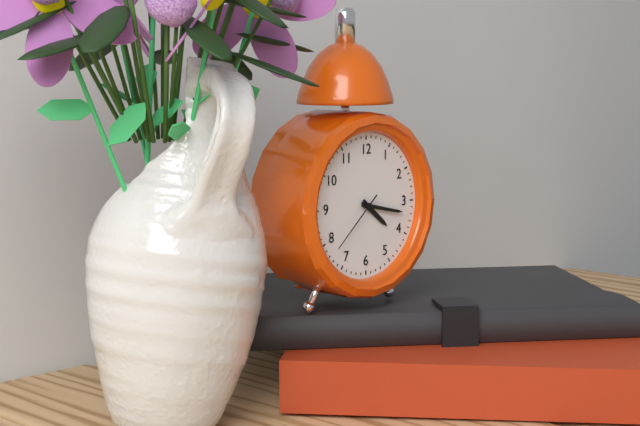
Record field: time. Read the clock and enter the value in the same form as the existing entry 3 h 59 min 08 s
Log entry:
4 h 17 min 38 s
